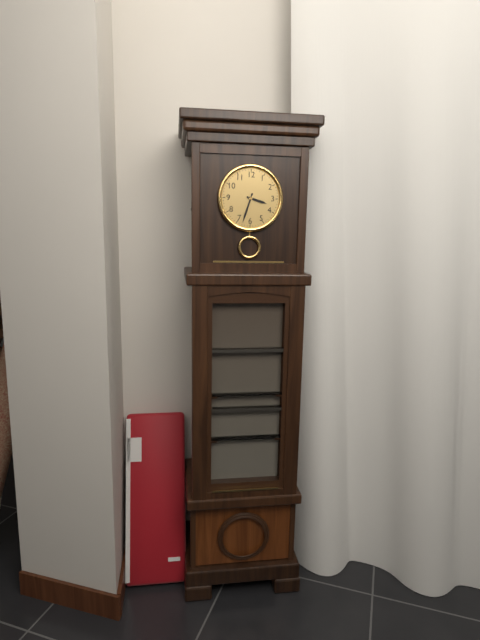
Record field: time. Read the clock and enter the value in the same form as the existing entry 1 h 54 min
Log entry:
3 h 33 min
